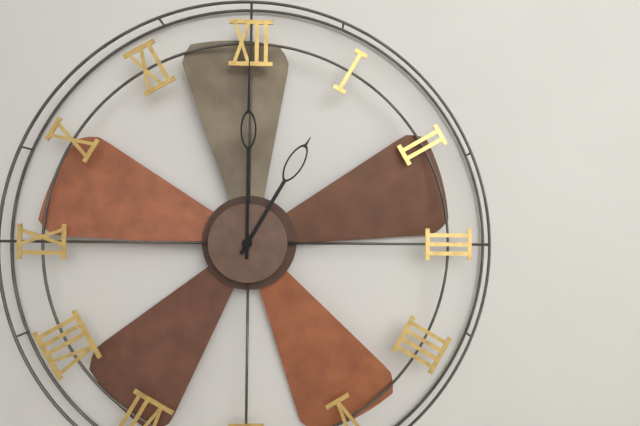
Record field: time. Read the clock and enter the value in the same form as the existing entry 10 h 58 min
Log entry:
1 h 00 min
